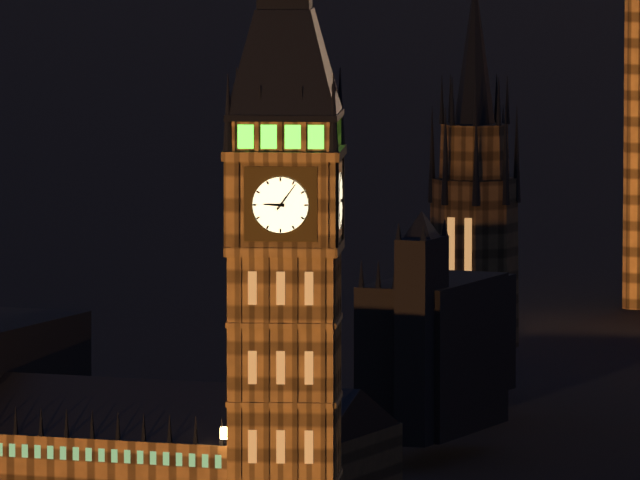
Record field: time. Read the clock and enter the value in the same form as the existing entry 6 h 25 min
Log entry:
9 h 06 min
